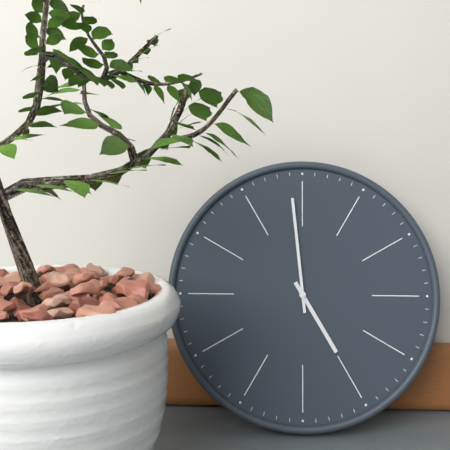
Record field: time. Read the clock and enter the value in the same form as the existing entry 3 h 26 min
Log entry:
4 h 59 min
